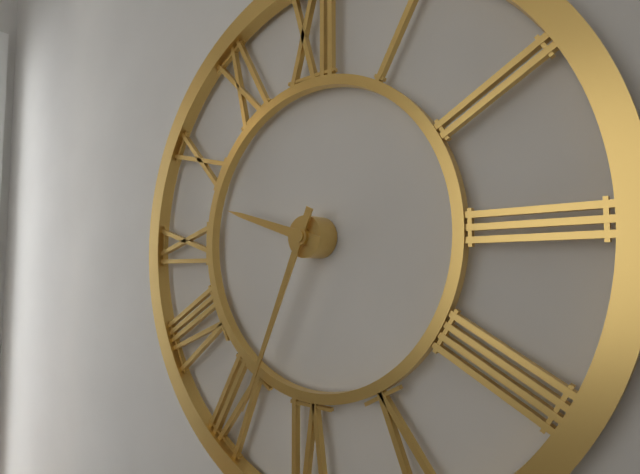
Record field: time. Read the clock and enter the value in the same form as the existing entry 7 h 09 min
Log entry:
9 h 34 min
